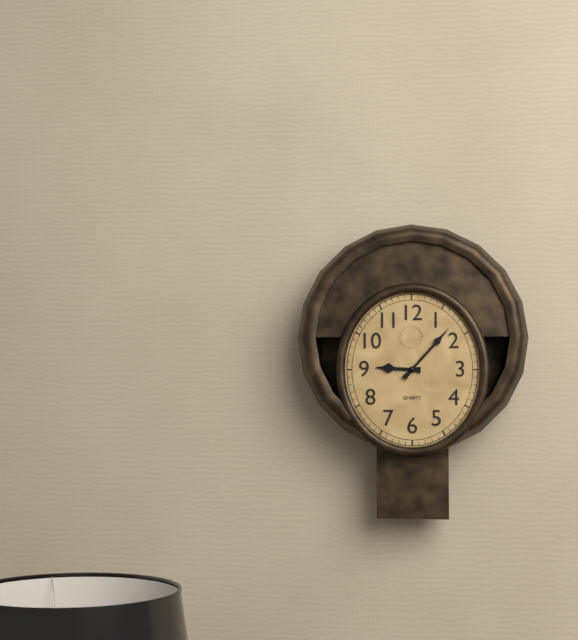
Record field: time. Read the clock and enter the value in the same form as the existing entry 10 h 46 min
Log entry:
9 h 07 min
